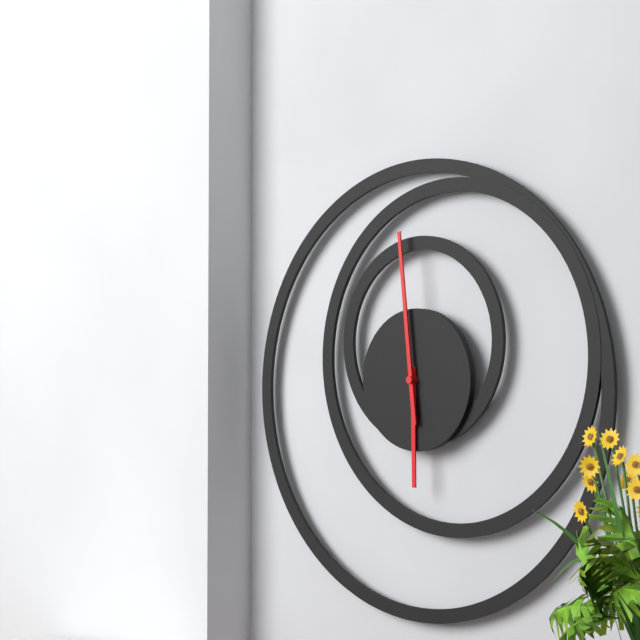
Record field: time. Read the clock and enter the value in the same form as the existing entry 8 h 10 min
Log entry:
5 h 59 min
